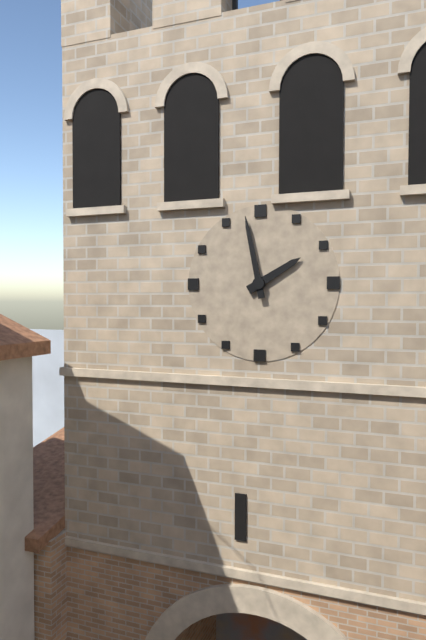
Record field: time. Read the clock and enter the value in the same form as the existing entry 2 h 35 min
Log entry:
1 h 58 min
